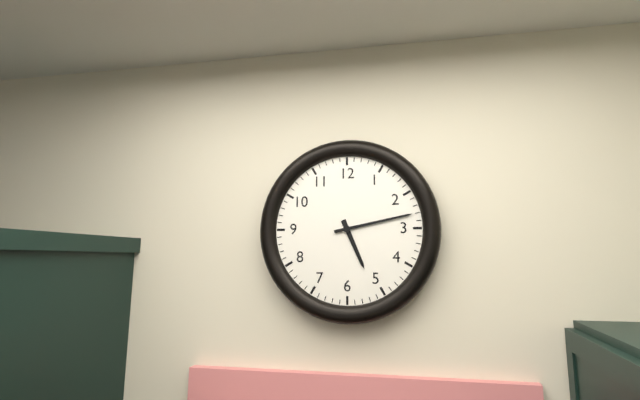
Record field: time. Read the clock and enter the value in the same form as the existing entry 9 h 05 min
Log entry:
5 h 13 min
